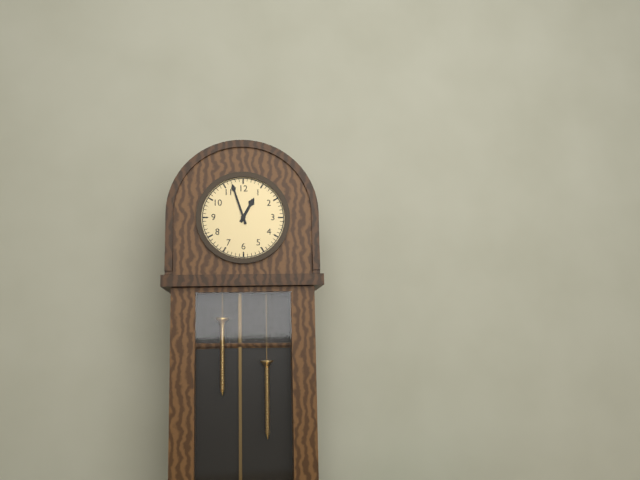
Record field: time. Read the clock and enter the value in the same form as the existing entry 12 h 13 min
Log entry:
12 h 57 min
